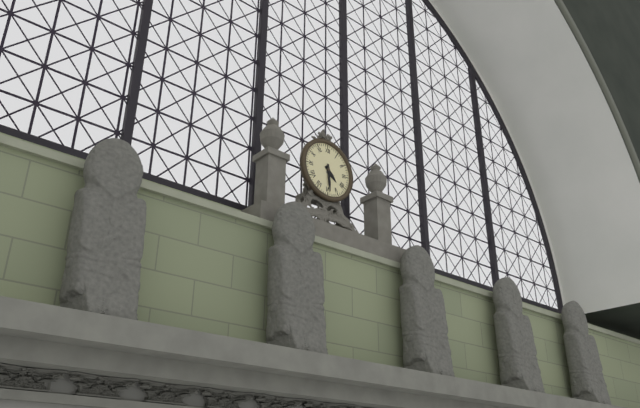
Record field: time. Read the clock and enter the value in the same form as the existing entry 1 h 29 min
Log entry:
4 h 29 min
